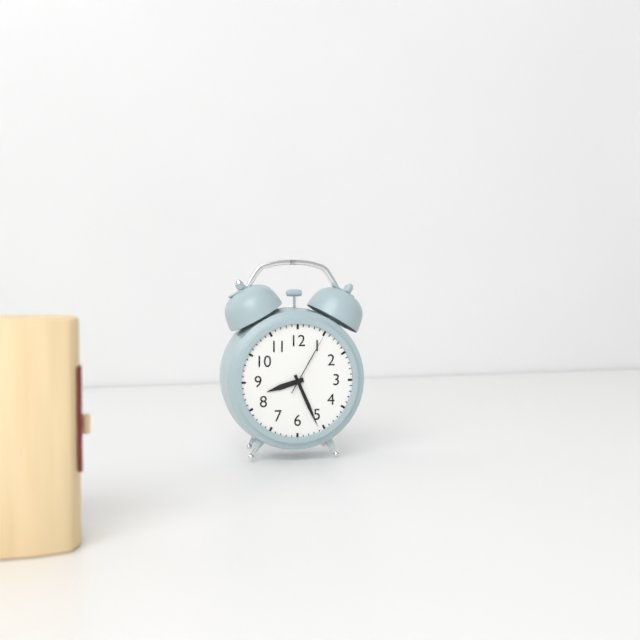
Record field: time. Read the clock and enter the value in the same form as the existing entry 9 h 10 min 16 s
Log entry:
8 h 26 min 05 s
